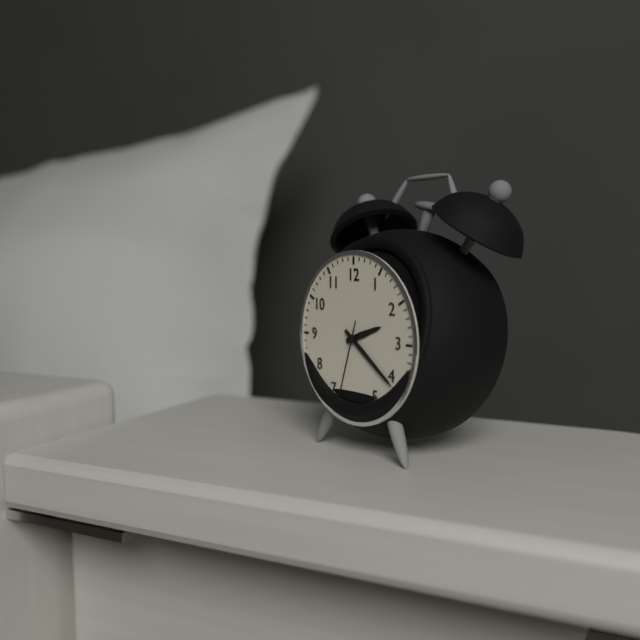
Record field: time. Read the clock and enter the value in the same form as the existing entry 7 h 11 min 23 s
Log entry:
2 h 21 min 33 s
